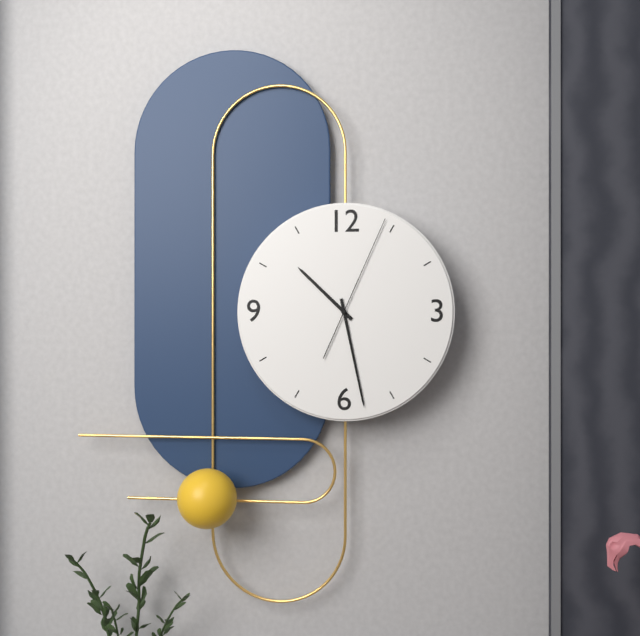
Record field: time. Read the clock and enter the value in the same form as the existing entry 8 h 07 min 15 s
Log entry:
10 h 28 min 04 s
